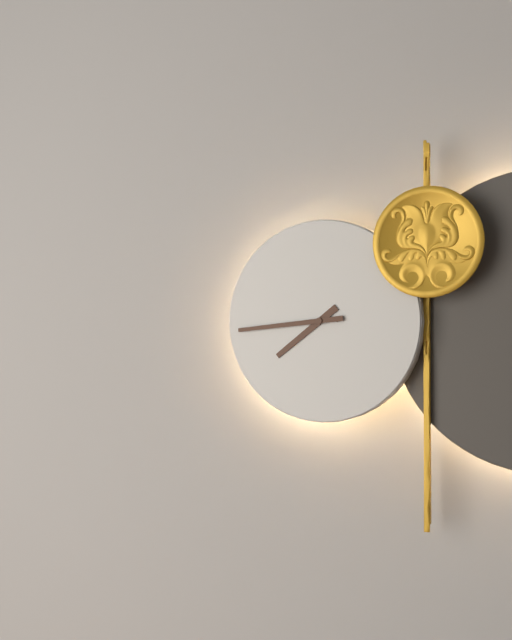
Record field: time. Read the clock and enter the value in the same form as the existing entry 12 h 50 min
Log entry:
7 h 44 min
